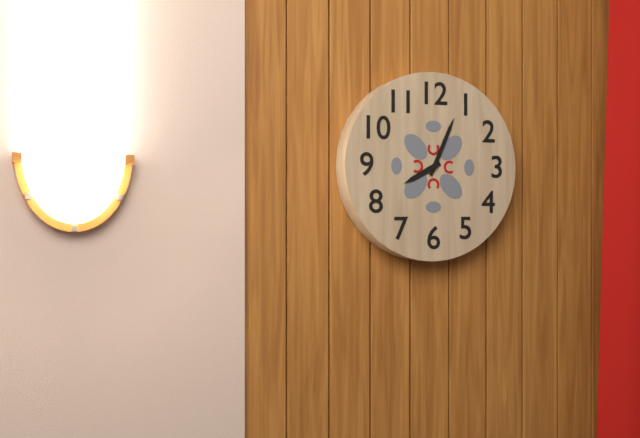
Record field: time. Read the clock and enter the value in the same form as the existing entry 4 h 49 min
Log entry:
8 h 04 min
